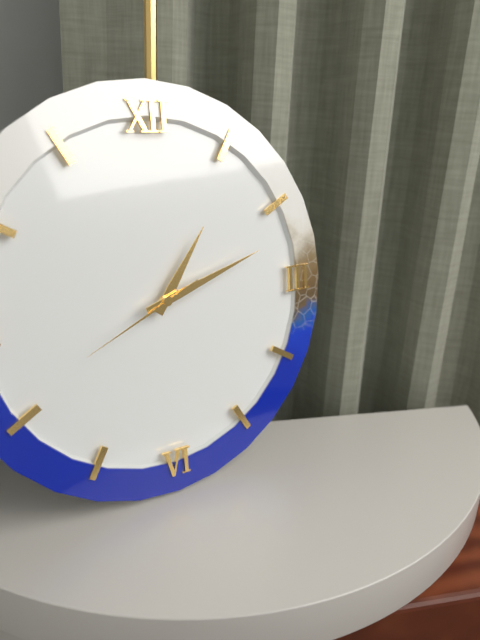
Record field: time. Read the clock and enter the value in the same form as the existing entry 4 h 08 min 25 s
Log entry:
1 h 12 min 41 s
